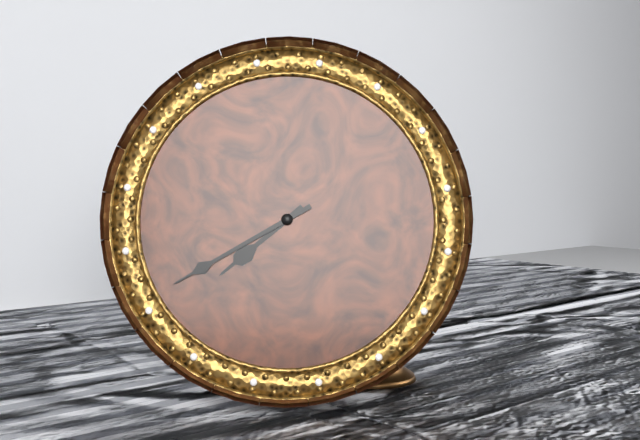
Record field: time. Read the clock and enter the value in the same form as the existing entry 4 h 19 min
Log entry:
7 h 40 min
